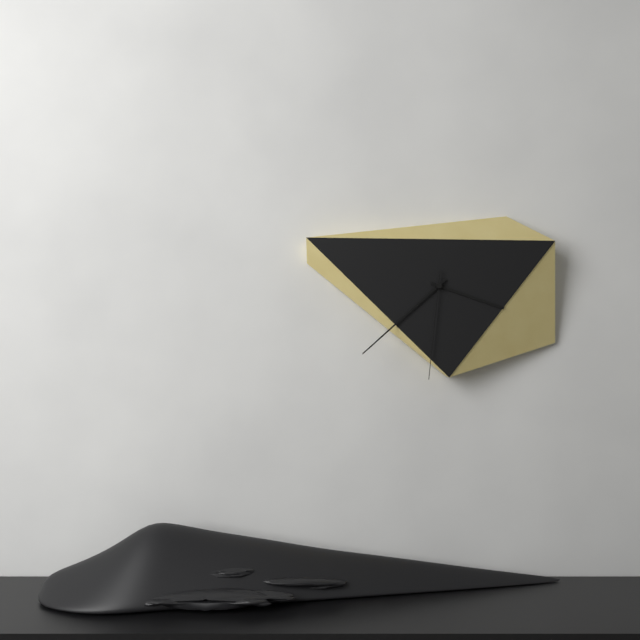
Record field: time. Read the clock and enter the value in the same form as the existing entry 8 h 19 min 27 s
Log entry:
3 h 38 min 31 s
